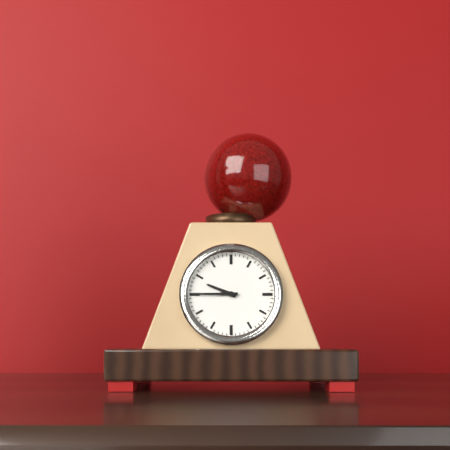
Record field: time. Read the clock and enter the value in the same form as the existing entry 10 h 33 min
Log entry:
9 h 45 min
